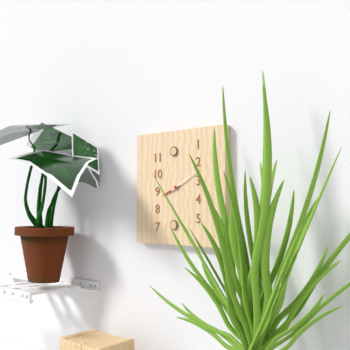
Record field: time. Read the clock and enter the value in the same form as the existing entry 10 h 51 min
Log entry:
8 h 10 min
